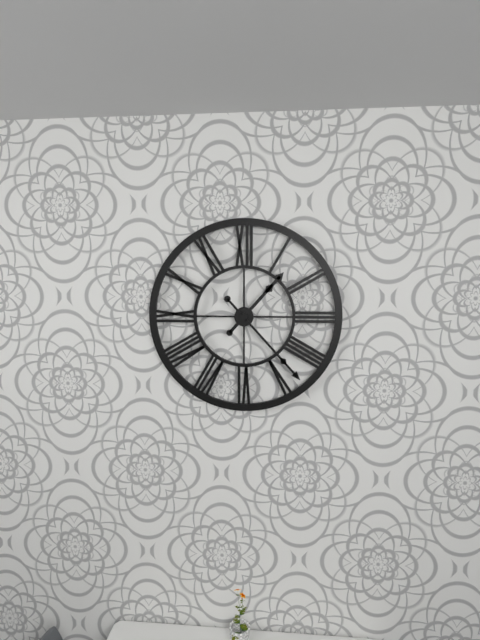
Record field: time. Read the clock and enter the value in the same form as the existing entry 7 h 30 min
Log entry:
1 h 23 min
